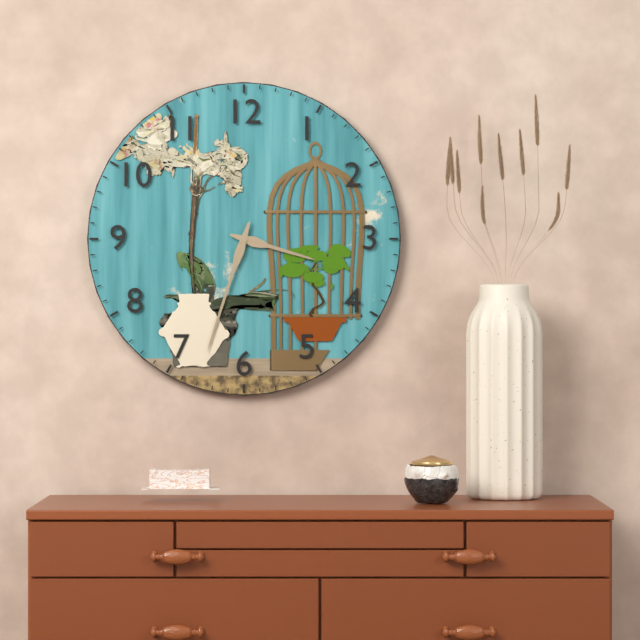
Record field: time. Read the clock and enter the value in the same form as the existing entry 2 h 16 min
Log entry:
3 h 33 min
